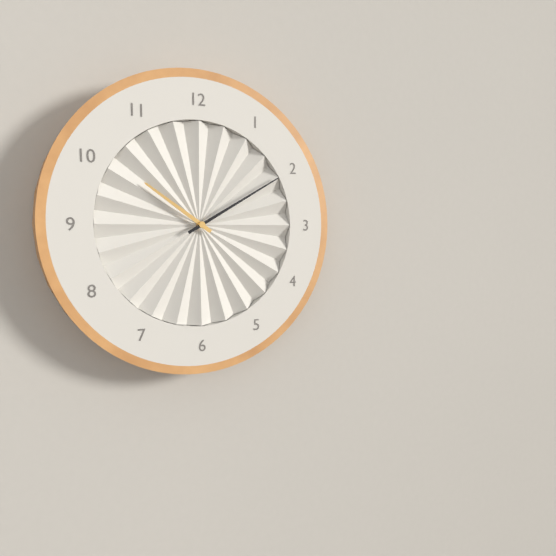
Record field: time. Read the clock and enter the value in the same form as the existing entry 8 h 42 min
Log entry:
10 h 10 min
